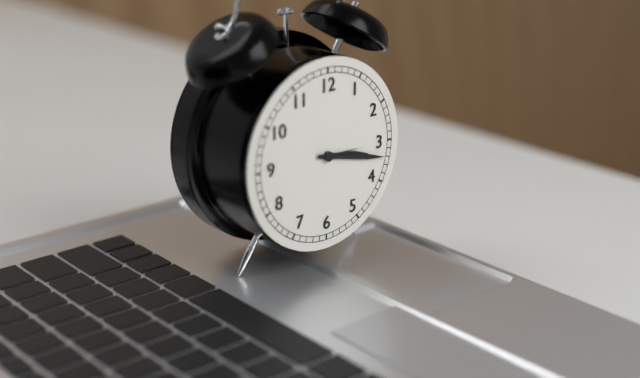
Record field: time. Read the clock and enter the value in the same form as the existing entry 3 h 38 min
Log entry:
3 h 17 min
